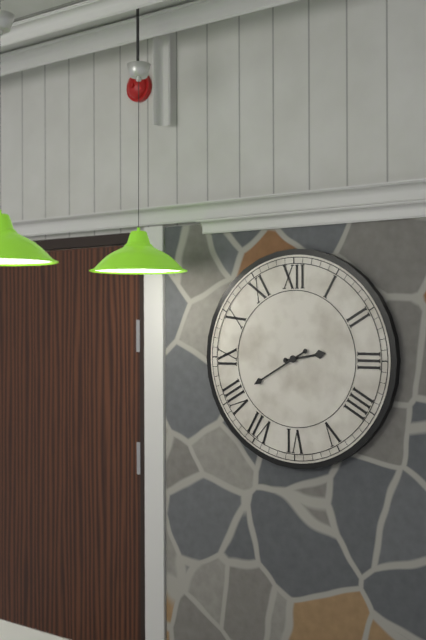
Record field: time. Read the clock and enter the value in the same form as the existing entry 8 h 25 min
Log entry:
2 h 40 min
